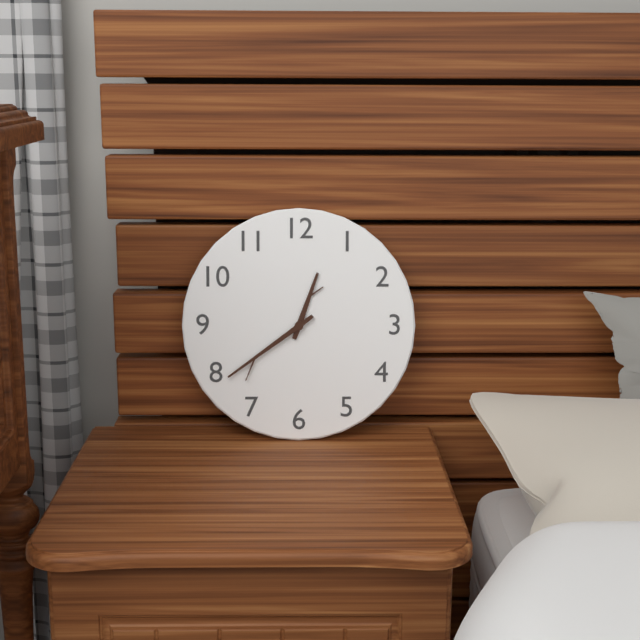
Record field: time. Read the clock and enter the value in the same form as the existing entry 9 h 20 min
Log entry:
12 h 39 min
